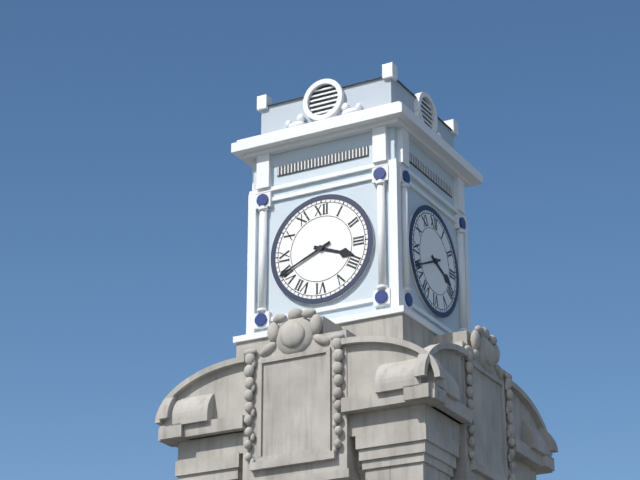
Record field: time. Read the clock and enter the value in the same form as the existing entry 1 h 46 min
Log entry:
3 h 41 min
